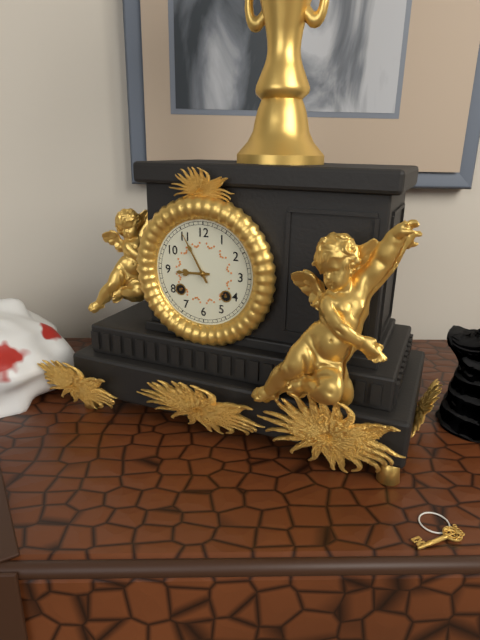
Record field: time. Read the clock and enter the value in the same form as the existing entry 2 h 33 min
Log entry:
8 h 55 min
